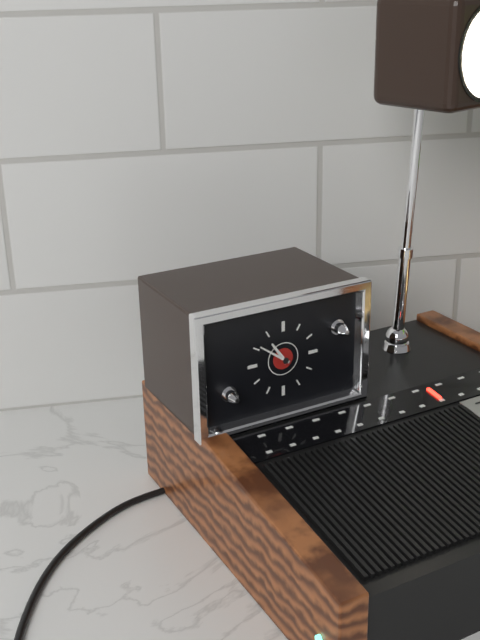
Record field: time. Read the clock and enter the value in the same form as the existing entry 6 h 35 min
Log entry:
10 h 51 min
